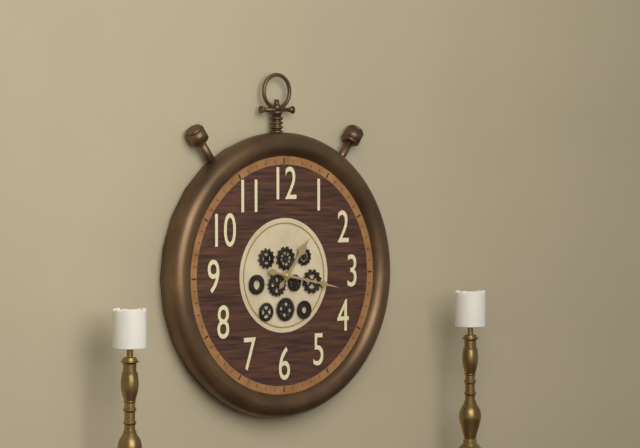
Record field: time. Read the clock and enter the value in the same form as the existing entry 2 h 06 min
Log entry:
1 h 17 min
